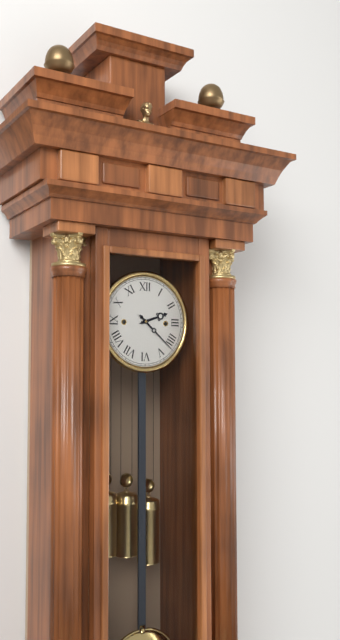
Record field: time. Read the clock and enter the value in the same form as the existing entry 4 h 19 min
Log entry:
2 h 22 min
